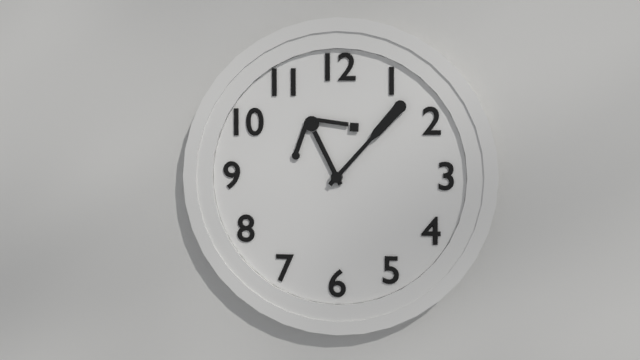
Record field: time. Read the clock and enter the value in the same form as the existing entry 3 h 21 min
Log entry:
11 h 07 min
